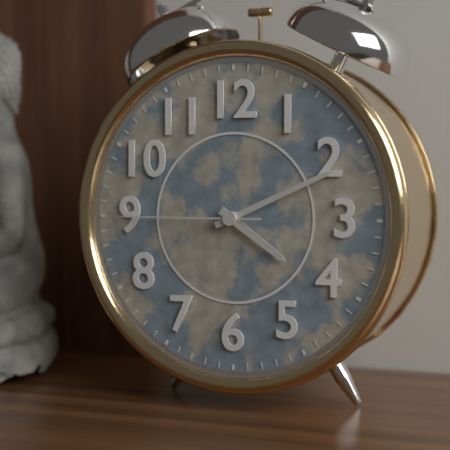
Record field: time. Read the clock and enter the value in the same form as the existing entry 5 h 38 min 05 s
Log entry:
4 h 11 min 45 s
